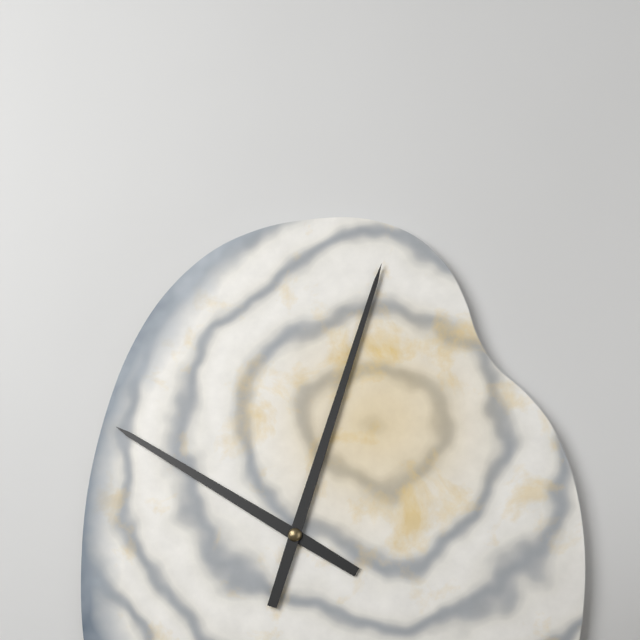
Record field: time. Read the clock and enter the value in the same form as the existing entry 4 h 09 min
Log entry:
10 h 03 min
